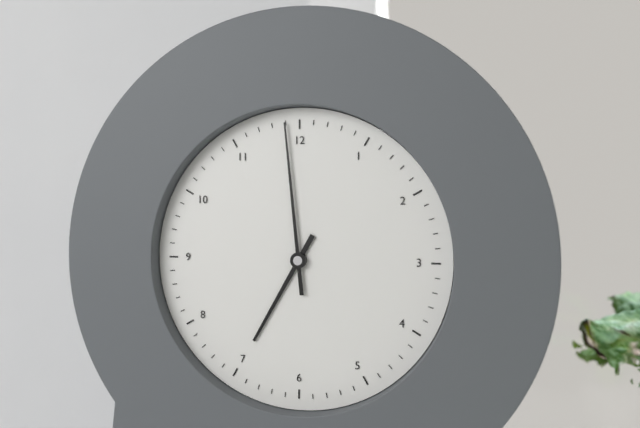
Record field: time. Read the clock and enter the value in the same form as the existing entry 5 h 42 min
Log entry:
6 h 59 min
